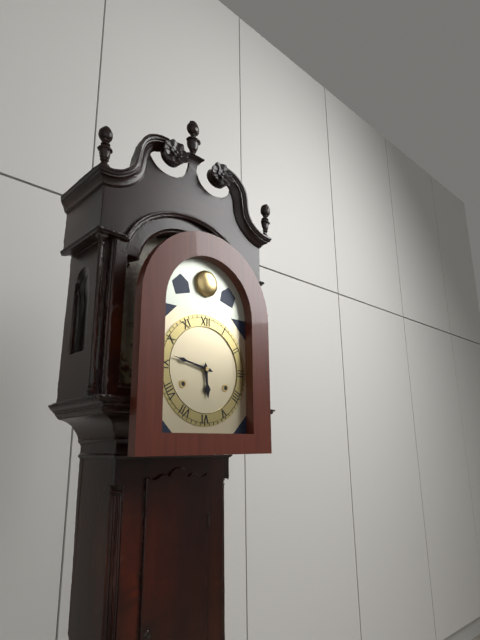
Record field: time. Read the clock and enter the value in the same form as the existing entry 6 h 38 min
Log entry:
5 h 47 min
